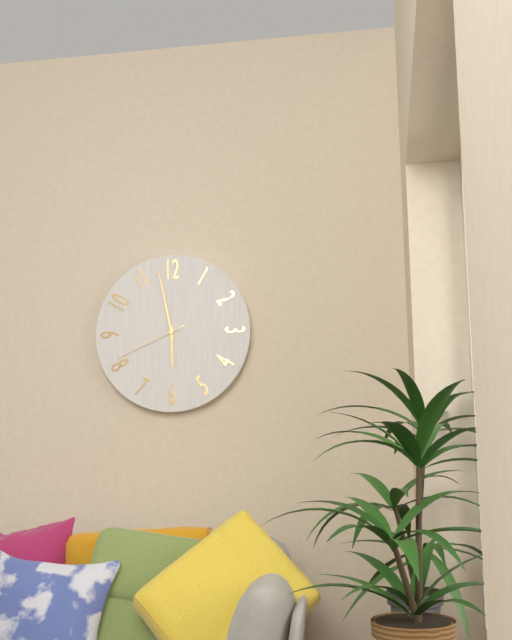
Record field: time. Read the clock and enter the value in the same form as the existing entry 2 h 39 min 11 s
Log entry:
5 h 58 min 41 s
